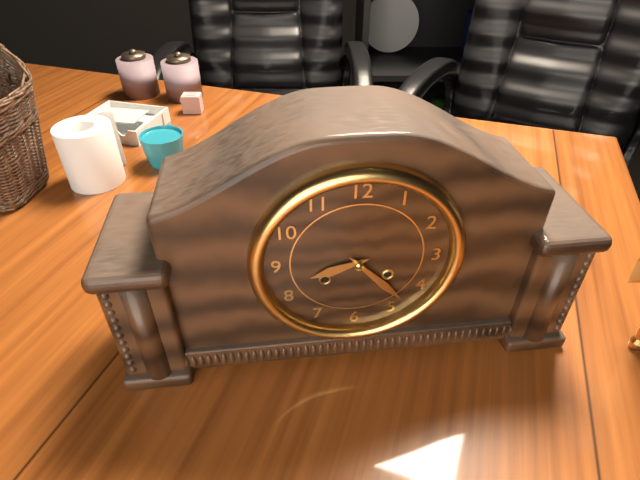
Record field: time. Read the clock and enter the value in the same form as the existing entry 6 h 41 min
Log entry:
8 h 23 min
